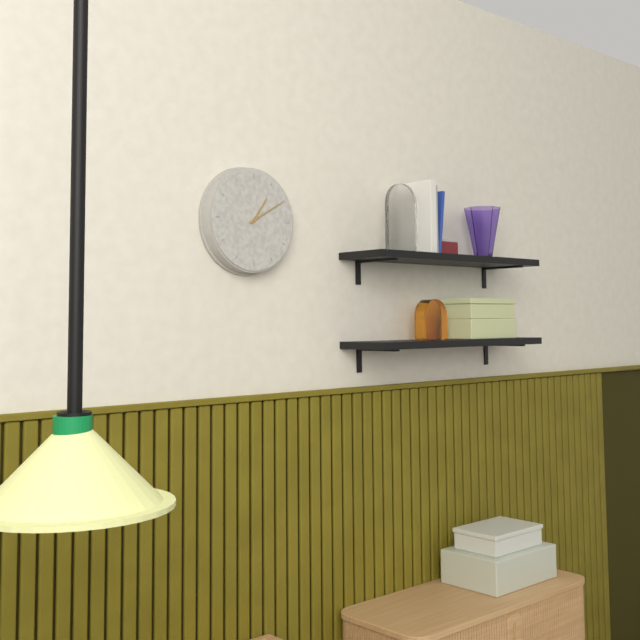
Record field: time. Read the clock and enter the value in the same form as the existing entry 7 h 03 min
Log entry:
1 h 10 min
